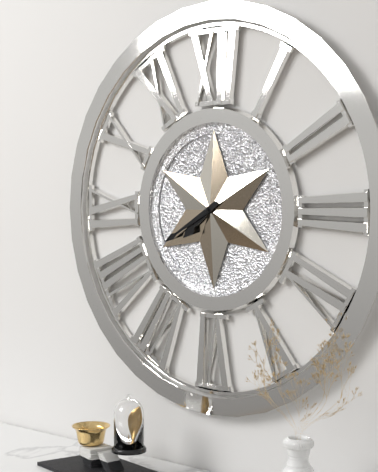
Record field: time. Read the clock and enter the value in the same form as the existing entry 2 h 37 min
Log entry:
7 h 40 min
